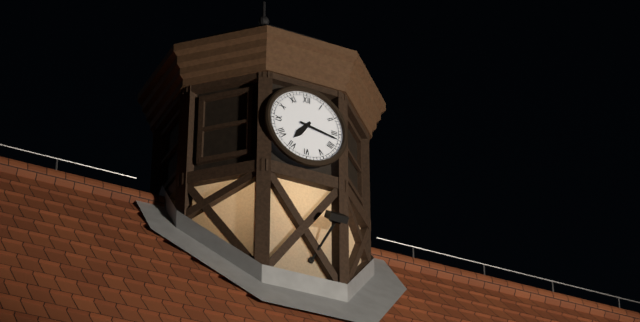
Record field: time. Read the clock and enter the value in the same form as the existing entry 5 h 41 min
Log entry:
7 h 17 min
